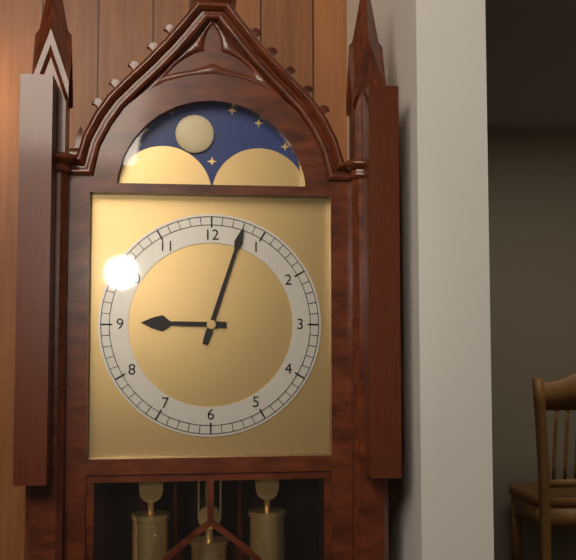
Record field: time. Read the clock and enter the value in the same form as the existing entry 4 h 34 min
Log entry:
9 h 03 min
